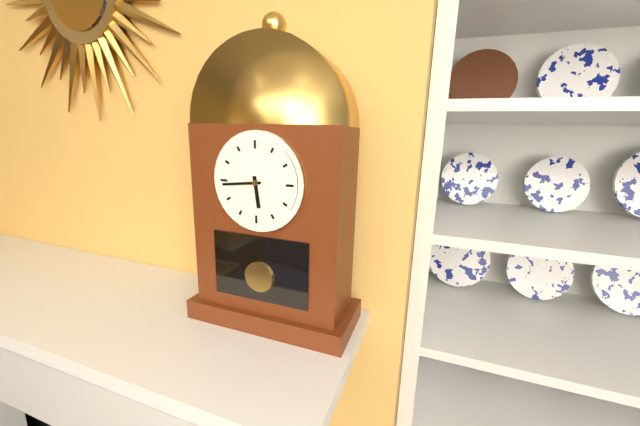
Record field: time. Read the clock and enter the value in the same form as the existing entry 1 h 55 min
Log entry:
5 h 44 min
